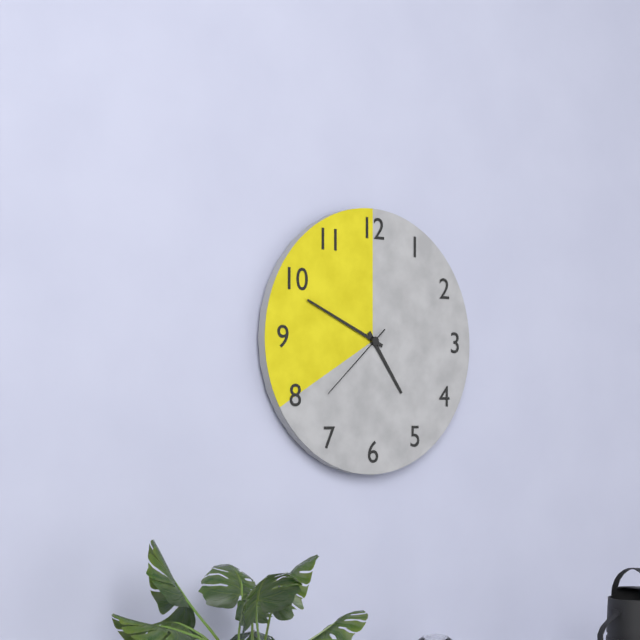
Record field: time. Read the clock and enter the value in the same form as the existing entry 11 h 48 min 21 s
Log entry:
4 h 49 min 38 s
